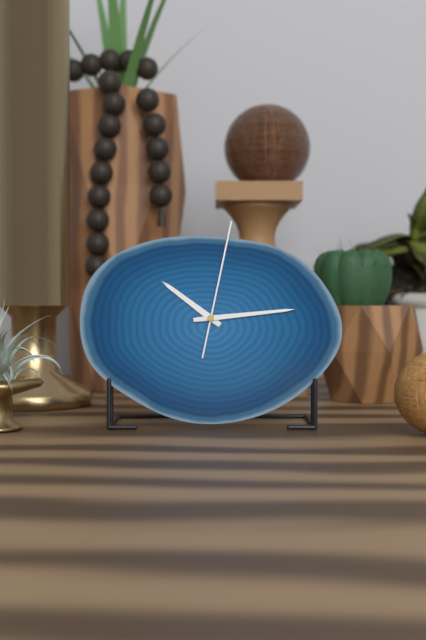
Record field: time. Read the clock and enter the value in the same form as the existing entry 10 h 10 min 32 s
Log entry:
10 h 14 min 02 s
